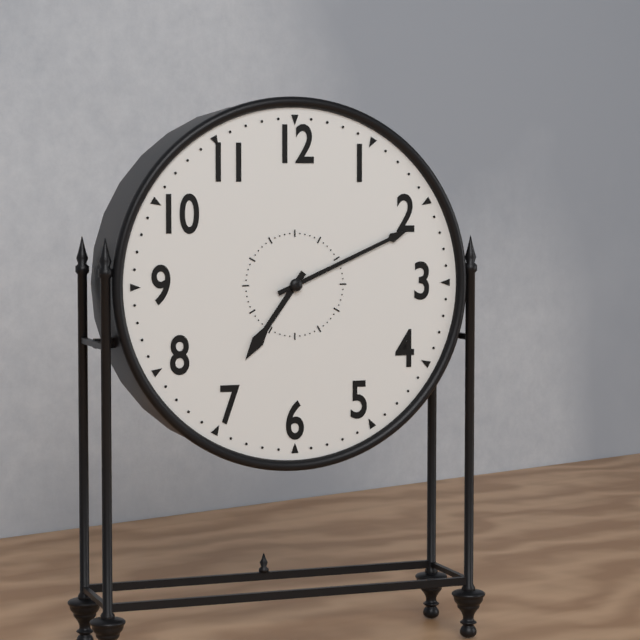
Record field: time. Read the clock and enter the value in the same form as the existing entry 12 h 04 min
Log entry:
7 h 11 min
